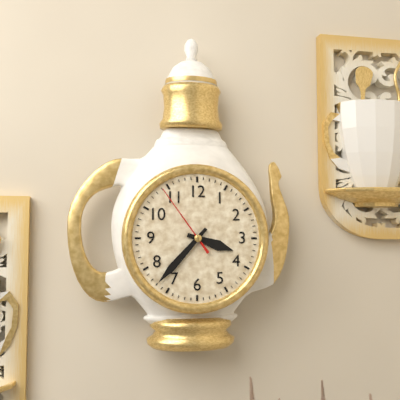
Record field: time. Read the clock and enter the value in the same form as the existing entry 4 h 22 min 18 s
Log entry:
3 h 37 min 54 s
